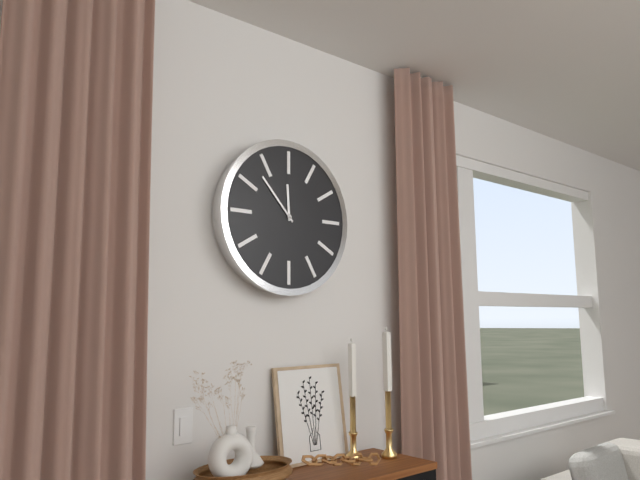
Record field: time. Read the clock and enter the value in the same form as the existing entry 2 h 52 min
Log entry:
11 h 53 min
